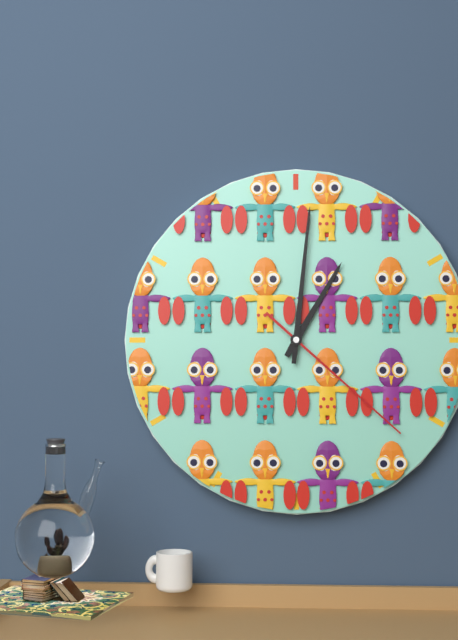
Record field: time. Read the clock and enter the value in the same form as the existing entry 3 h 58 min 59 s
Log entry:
1 h 01 min 22 s
